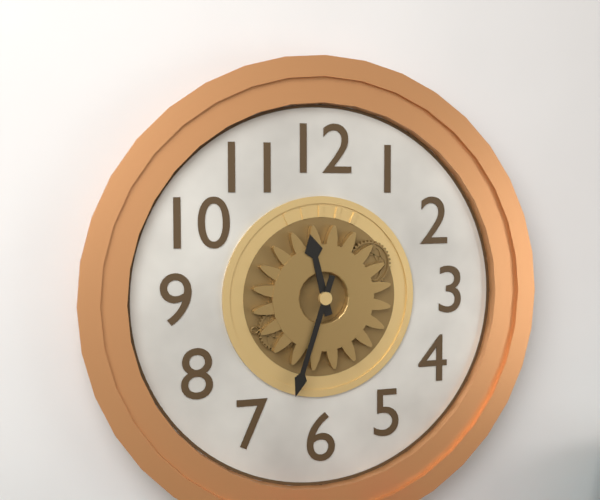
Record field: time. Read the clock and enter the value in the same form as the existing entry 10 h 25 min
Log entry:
11 h 33 min
